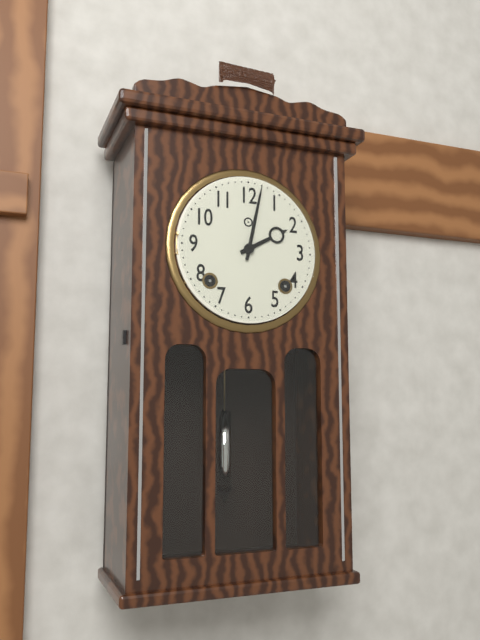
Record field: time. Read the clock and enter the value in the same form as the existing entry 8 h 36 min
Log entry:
2 h 02 min
